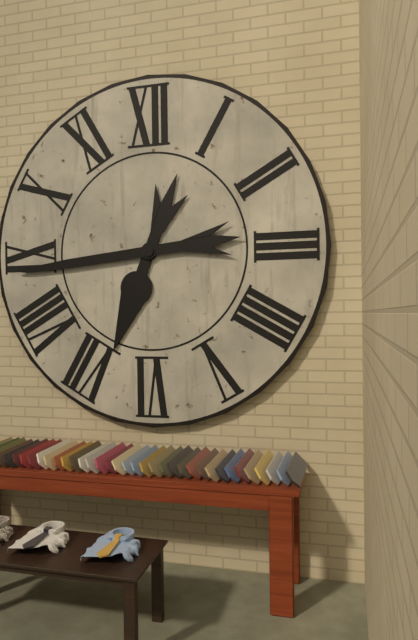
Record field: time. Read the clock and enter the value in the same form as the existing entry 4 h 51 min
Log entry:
6 h 44 min
